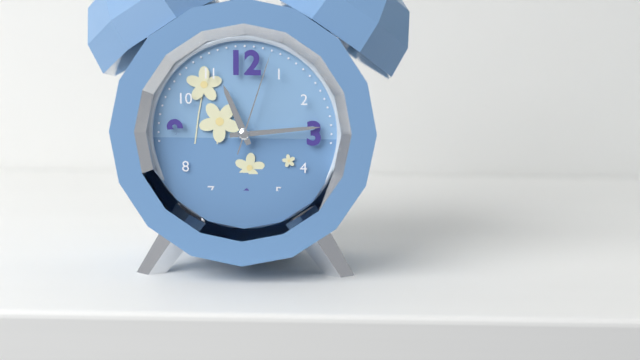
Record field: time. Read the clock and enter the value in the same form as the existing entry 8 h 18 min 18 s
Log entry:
11 h 14 min 03 s
